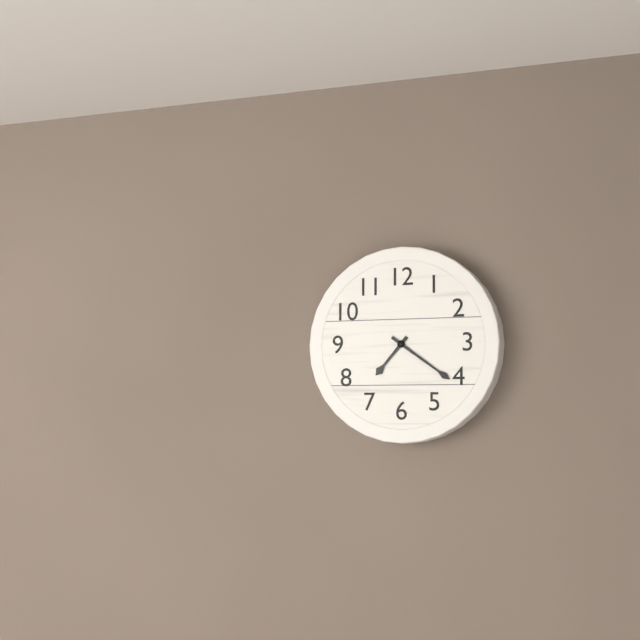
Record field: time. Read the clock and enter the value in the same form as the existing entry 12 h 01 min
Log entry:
7 h 21 min
